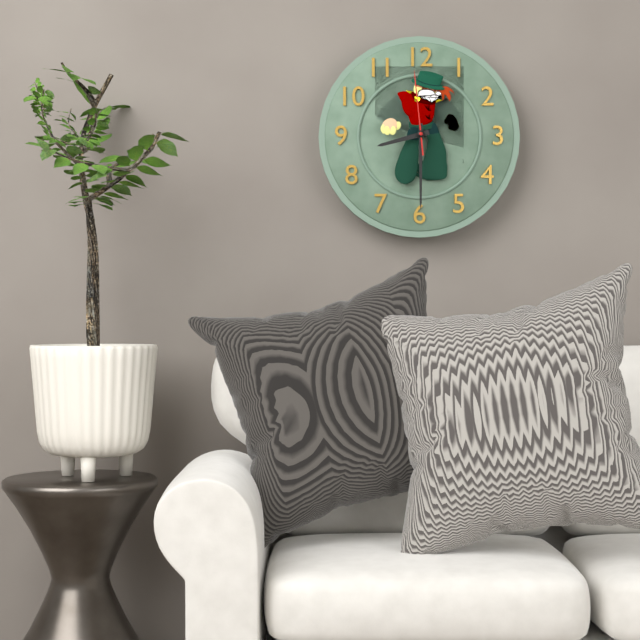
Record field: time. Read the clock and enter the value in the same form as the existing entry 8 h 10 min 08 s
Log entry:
8 h 30 min 59 s
